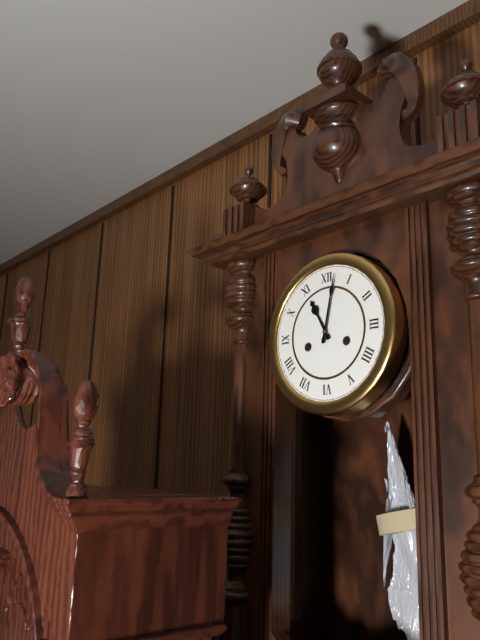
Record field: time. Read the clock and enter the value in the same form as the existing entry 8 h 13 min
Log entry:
11 h 02 min
